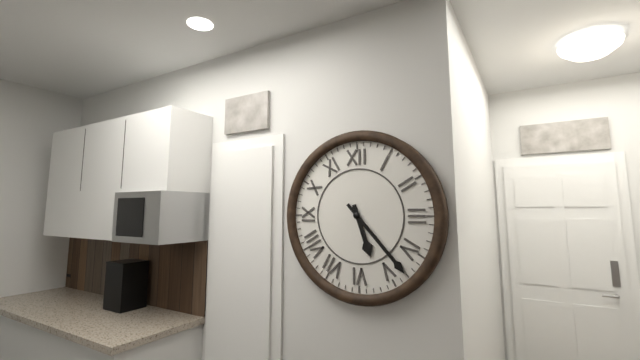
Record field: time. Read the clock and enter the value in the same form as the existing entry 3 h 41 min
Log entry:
5 h 23 min
